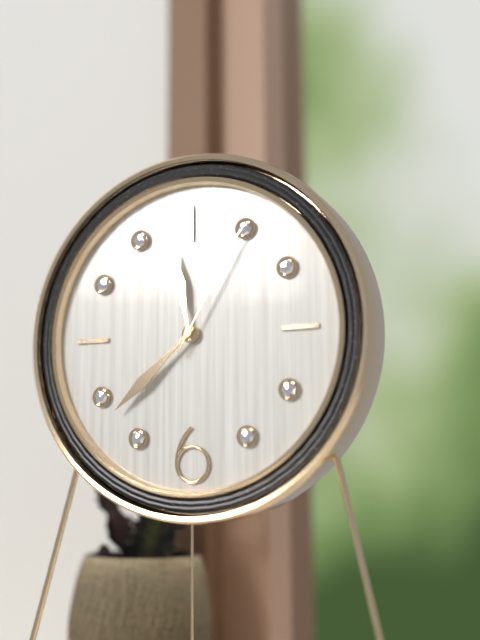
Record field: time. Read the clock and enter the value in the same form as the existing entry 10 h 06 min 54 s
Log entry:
11 h 38 min 05 s
